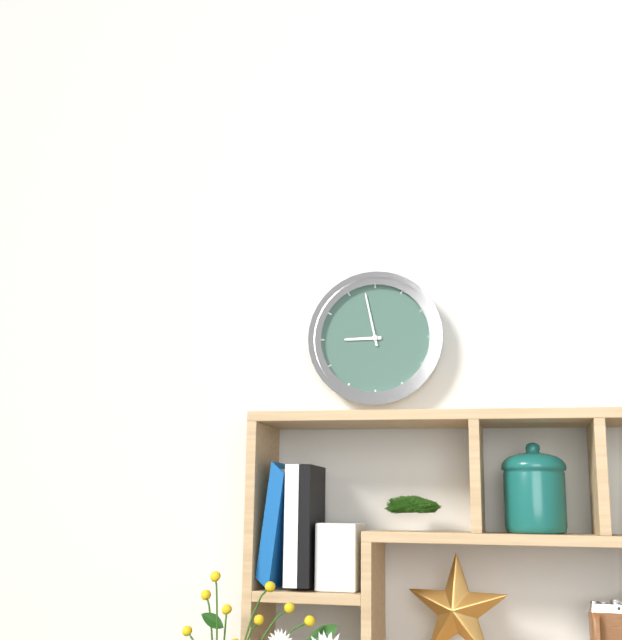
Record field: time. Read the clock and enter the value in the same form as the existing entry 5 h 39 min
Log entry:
8 h 58 min
